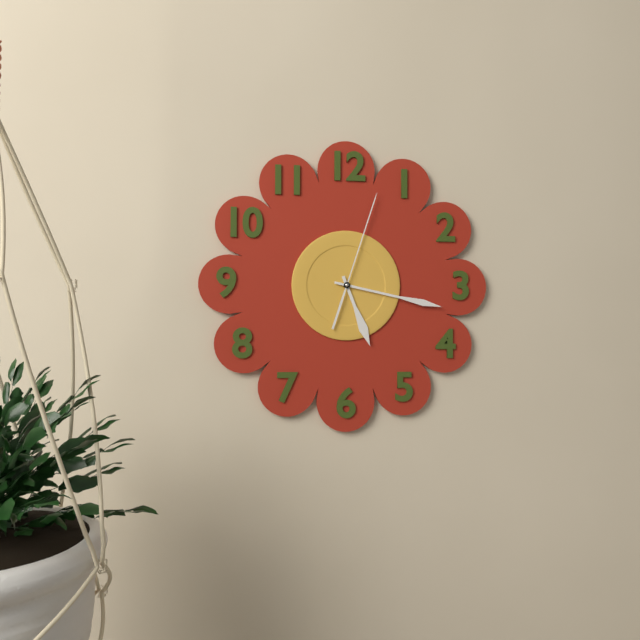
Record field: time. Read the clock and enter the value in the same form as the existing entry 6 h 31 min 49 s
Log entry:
5 h 17 min 03 s
